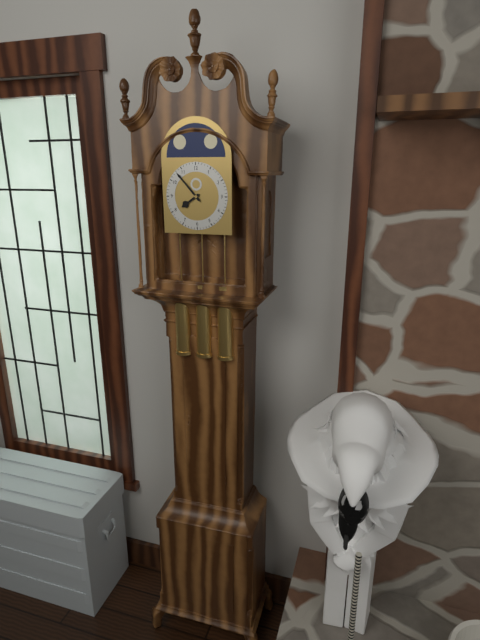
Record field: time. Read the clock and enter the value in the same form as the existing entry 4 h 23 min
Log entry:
7 h 53 min
